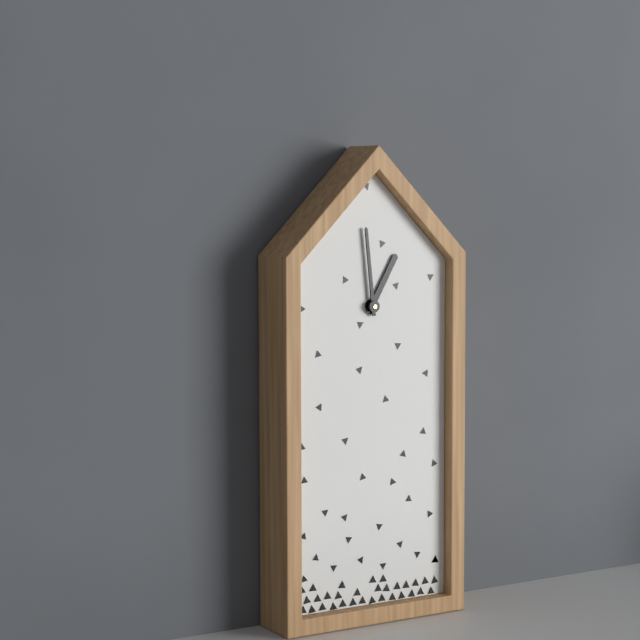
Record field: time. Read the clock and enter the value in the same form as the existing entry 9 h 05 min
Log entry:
12 h 59 min
